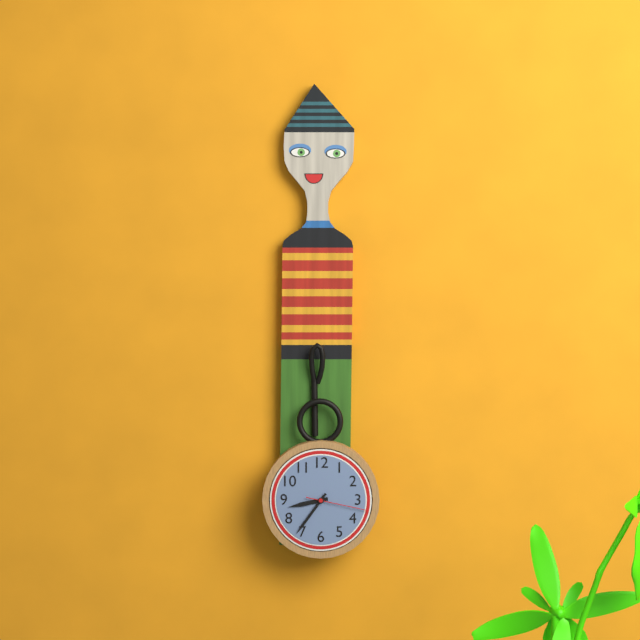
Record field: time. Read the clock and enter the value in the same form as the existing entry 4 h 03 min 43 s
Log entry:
8 h 36 min 17 s
